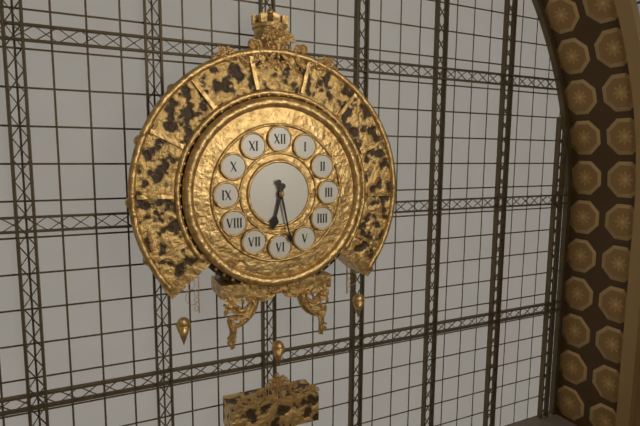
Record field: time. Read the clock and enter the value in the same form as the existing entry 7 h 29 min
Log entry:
6 h 28 min
